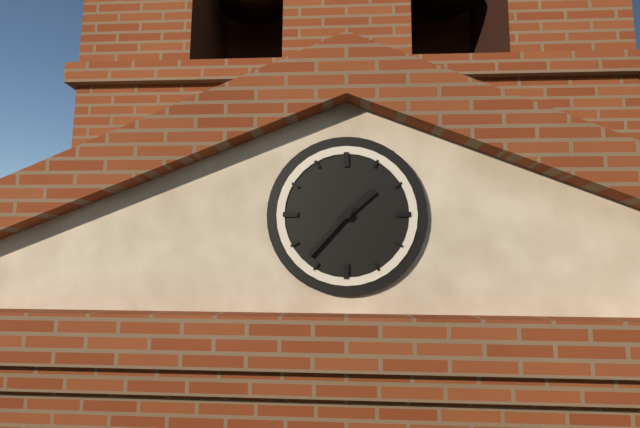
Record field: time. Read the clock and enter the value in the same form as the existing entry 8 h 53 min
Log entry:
1 h 37 min
